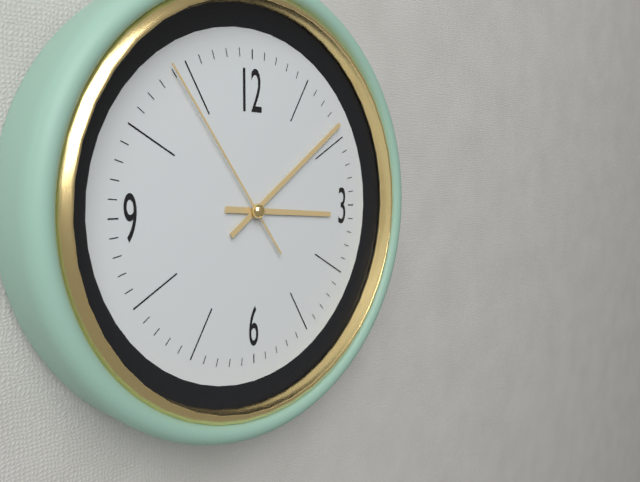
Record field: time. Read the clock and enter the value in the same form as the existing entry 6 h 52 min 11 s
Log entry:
3 h 09 min 54 s
